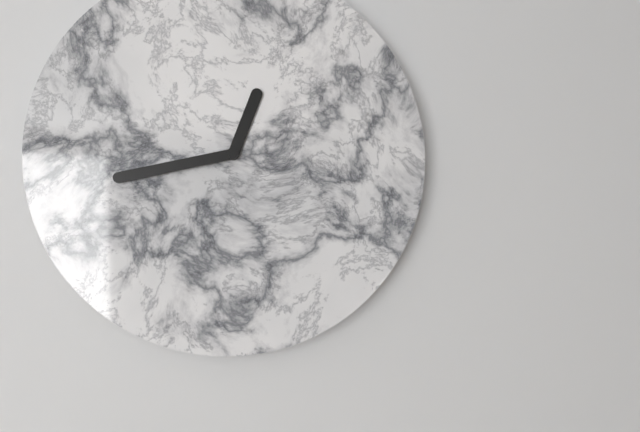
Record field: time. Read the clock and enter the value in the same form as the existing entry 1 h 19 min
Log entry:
12 h 43 min
